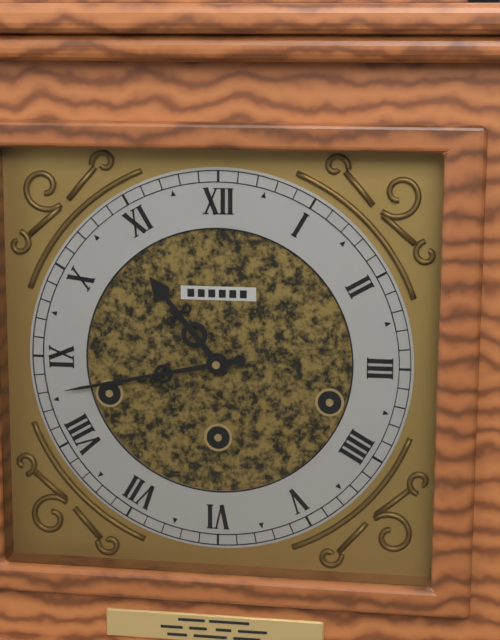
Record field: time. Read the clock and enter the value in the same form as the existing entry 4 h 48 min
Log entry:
10 h 43 min
